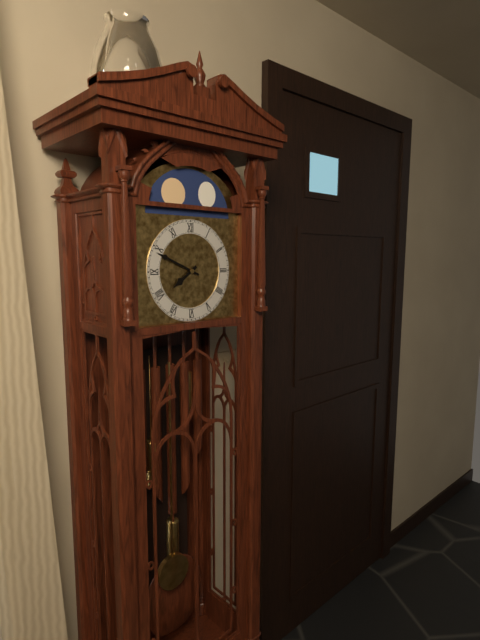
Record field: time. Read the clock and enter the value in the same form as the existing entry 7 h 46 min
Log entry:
7 h 49 min
